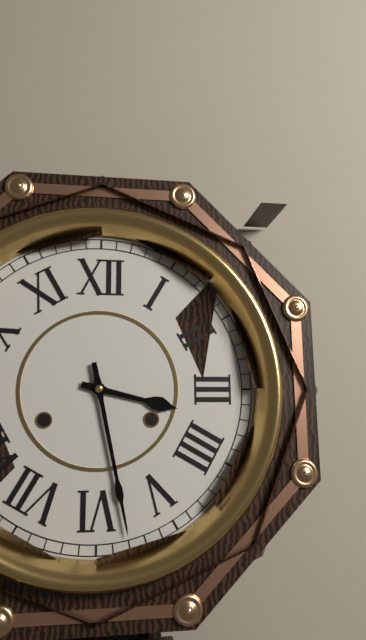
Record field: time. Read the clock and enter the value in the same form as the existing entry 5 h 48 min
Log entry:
3 h 28 min
